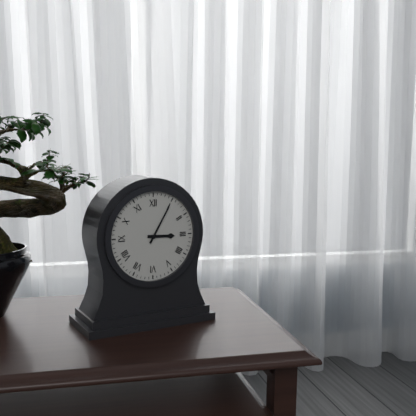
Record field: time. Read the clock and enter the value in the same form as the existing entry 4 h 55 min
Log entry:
3 h 05 min
